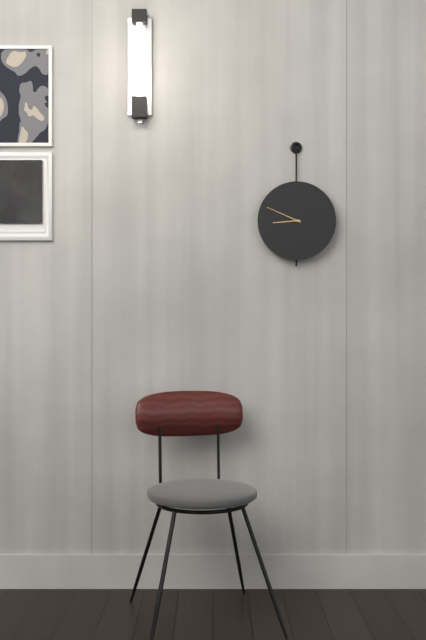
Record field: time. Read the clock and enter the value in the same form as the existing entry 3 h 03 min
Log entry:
8 h 49 min
